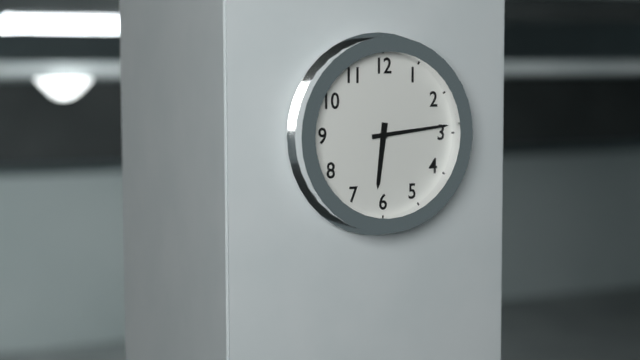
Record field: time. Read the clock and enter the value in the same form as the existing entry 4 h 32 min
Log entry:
6 h 14 min
